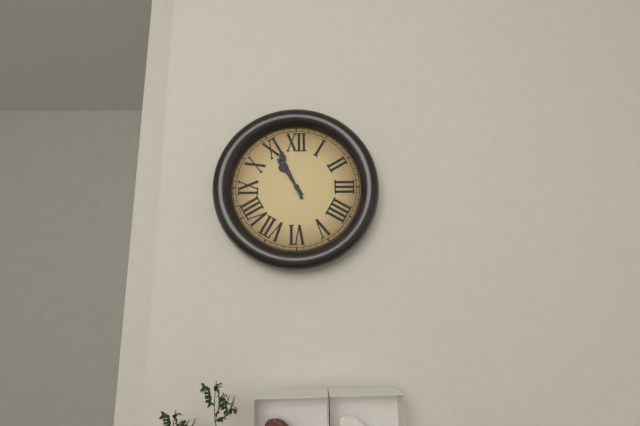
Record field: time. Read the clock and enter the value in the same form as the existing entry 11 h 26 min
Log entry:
10 h 56 min
